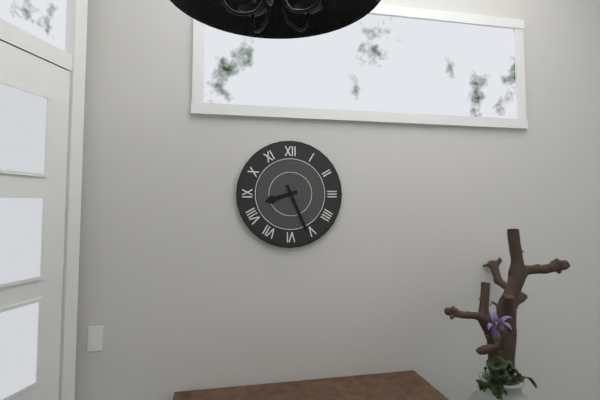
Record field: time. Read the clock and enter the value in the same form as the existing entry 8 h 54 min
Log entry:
8 h 26 min
